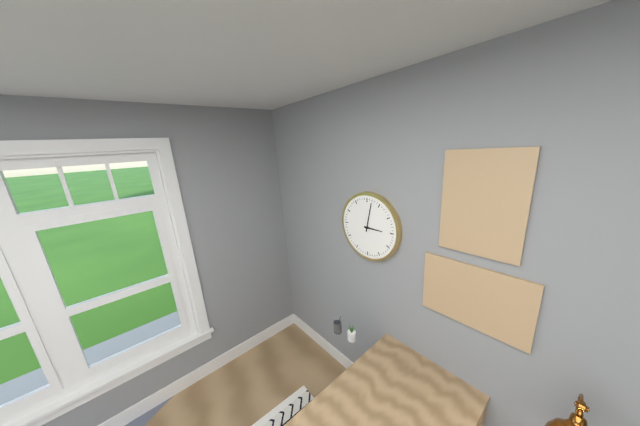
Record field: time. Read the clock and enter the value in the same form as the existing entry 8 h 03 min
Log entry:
3 h 02 min
